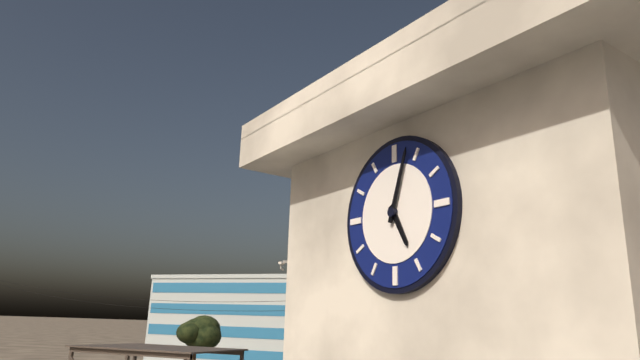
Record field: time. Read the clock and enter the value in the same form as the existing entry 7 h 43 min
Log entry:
5 h 03 min
